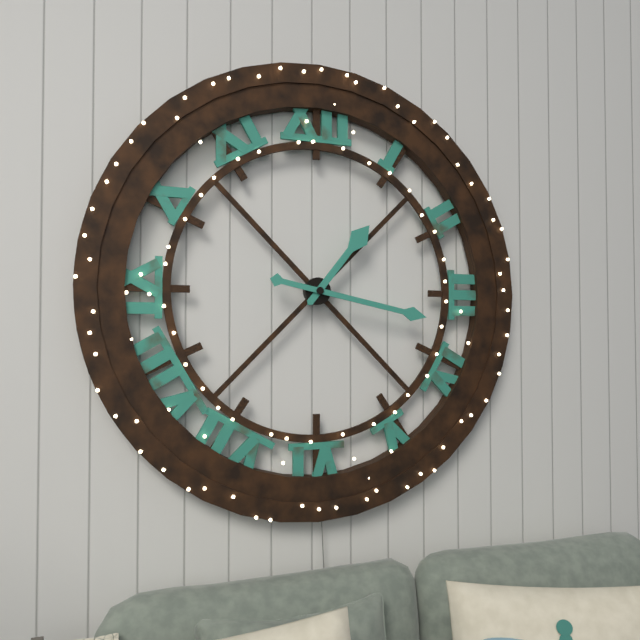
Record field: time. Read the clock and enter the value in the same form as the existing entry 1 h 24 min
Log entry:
1 h 17 min
